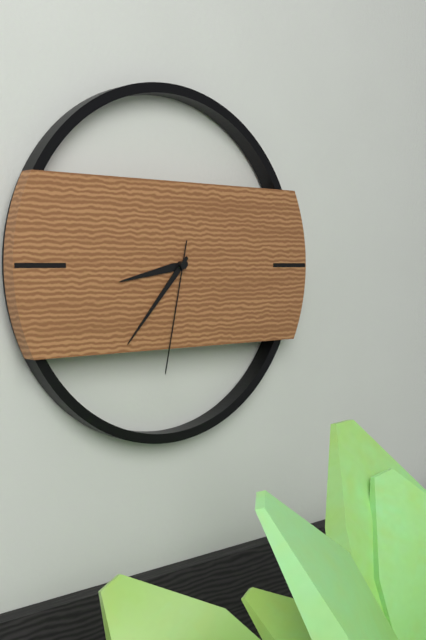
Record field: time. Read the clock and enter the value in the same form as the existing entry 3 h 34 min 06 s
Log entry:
8 h 37 min 32 s
